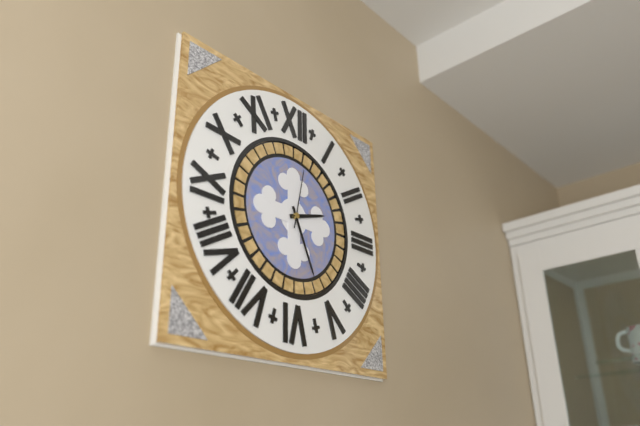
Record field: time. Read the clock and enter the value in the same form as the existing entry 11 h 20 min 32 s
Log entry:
2 h 26 min 02 s
